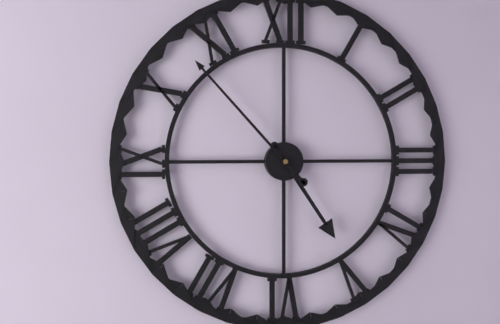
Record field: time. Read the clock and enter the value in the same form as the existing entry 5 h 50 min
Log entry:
4 h 53 min
